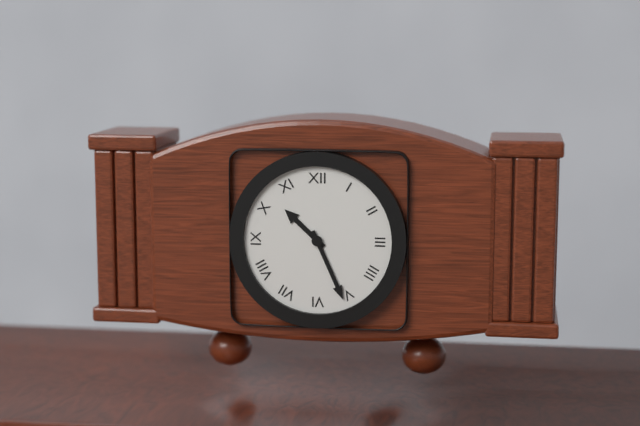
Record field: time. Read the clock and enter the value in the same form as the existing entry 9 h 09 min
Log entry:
10 h 26 min
